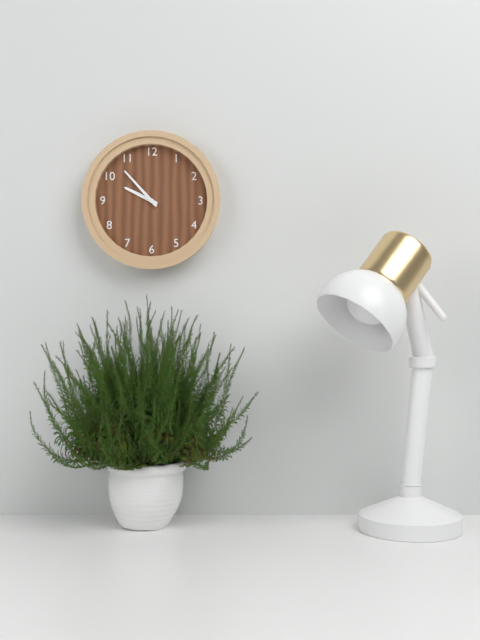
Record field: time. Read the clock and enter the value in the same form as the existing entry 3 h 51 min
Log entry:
9 h 53 min
